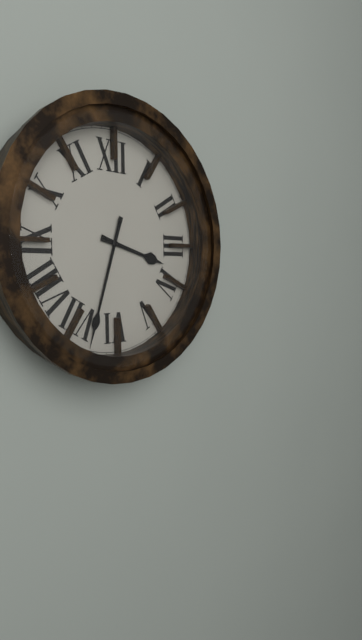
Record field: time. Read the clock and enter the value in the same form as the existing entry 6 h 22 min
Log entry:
3 h 33 min
